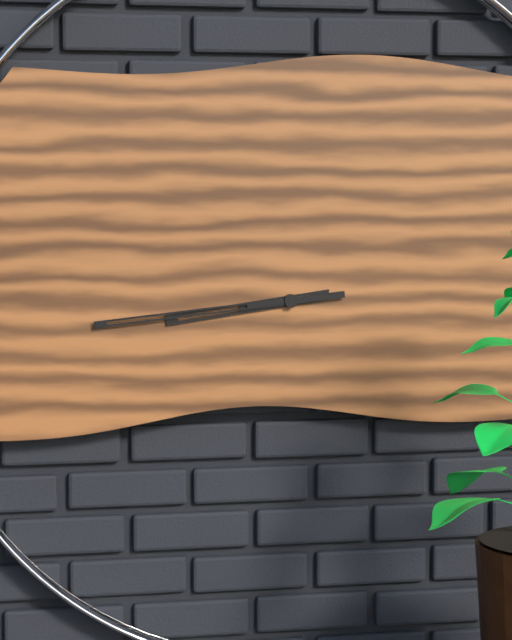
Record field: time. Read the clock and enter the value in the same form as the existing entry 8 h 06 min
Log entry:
8 h 44 min
